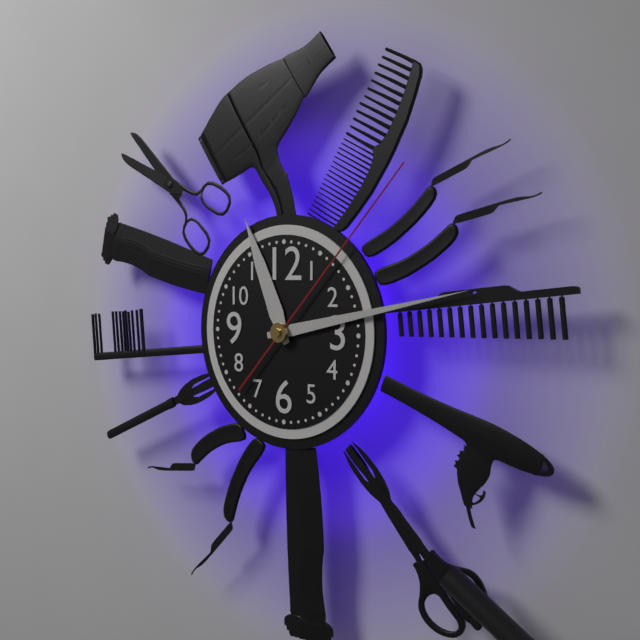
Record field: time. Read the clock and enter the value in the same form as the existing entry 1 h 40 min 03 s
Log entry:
11 h 13 min 07 s
